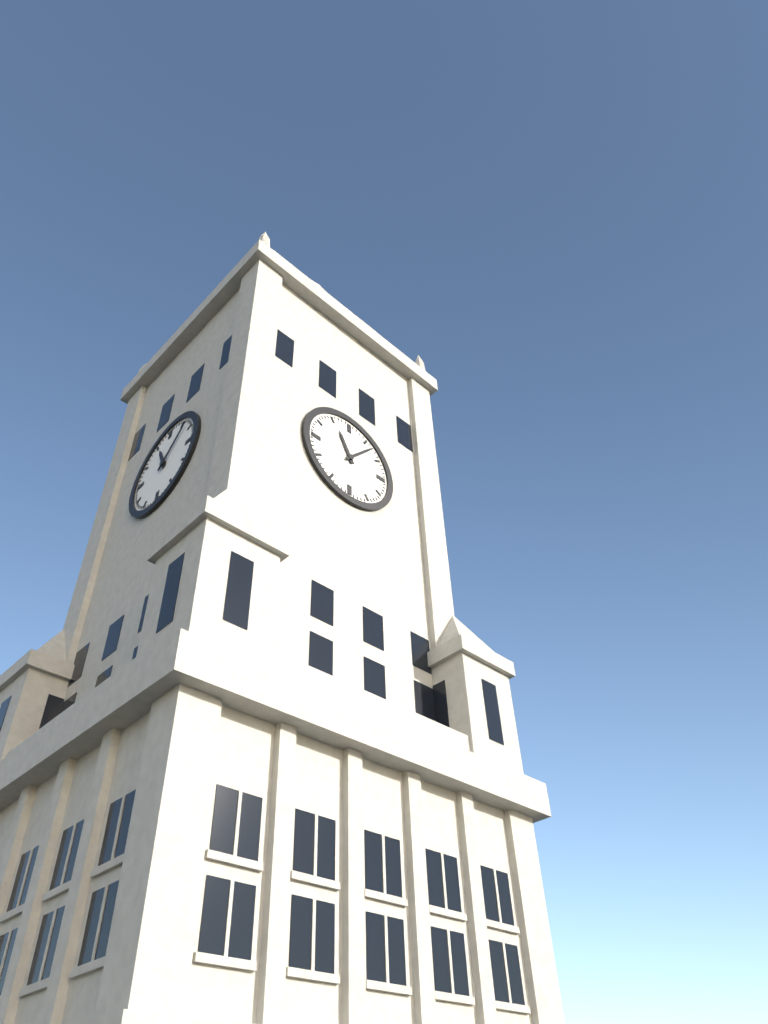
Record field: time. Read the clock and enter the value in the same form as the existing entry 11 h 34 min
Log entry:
11 h 07 min
